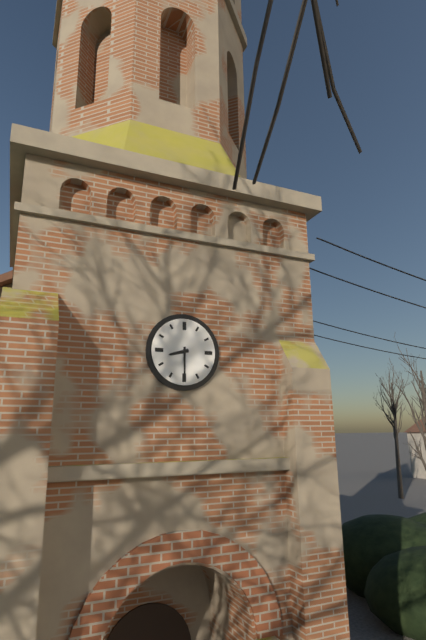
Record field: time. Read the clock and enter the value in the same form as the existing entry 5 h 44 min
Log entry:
8 h 30 min
